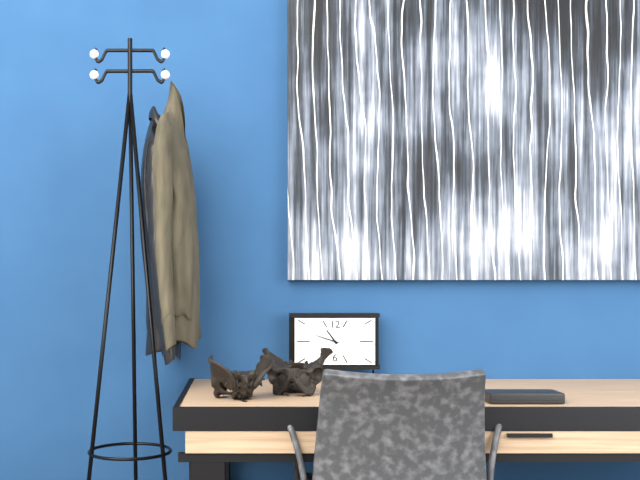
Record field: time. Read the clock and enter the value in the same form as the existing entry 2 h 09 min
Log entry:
10 h 48 min
